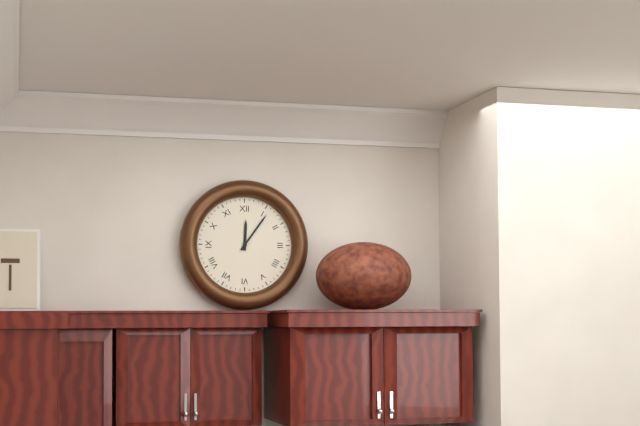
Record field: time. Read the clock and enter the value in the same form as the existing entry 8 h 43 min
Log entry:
12 h 06 min
